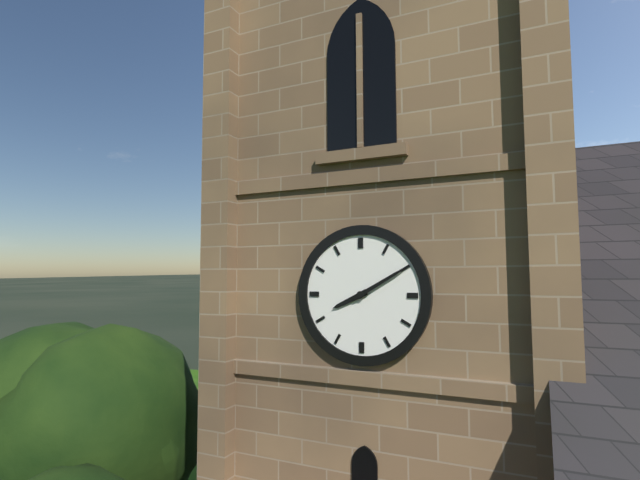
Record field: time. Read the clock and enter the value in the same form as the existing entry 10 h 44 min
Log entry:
8 h 10 min
